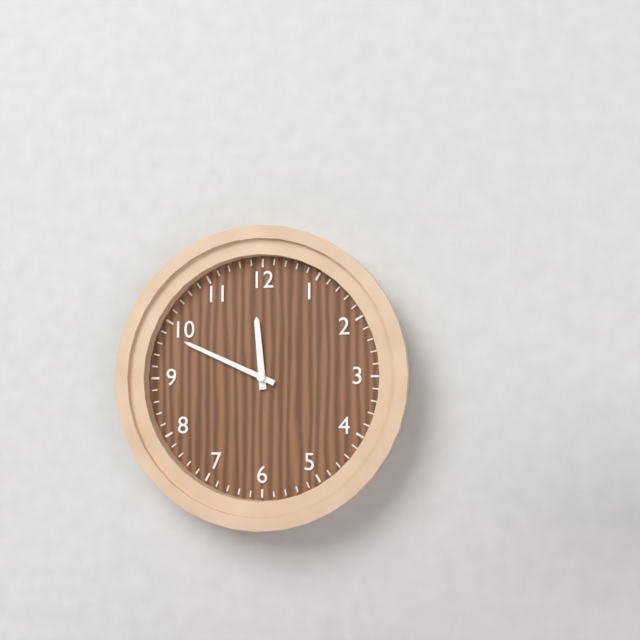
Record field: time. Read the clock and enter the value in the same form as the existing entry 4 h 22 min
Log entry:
11 h 49 min
